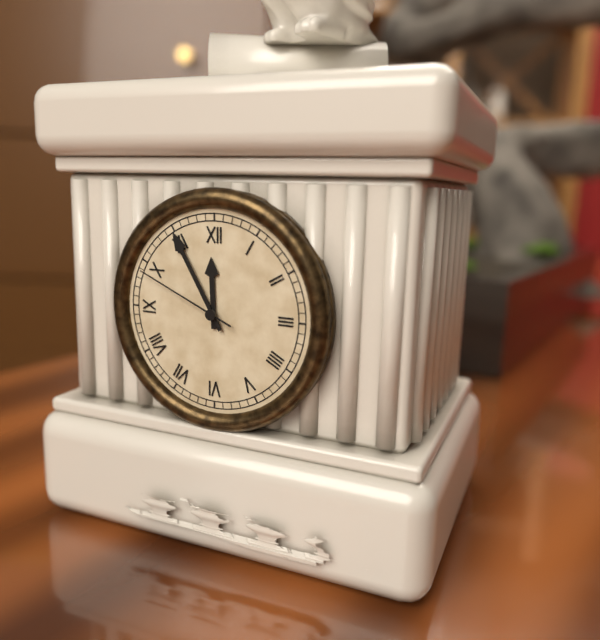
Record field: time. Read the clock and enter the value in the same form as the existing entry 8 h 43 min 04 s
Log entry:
11 h 55 min 49 s
